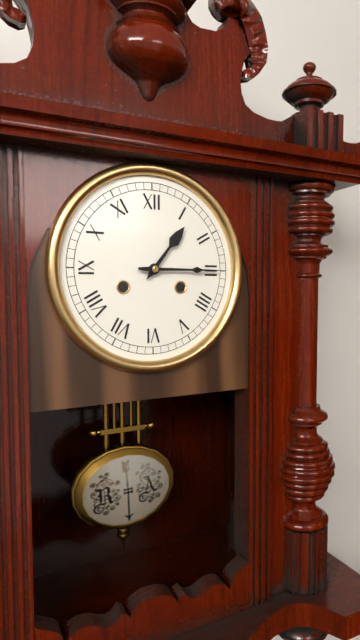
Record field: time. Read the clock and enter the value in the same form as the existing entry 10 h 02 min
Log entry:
1 h 15 min
